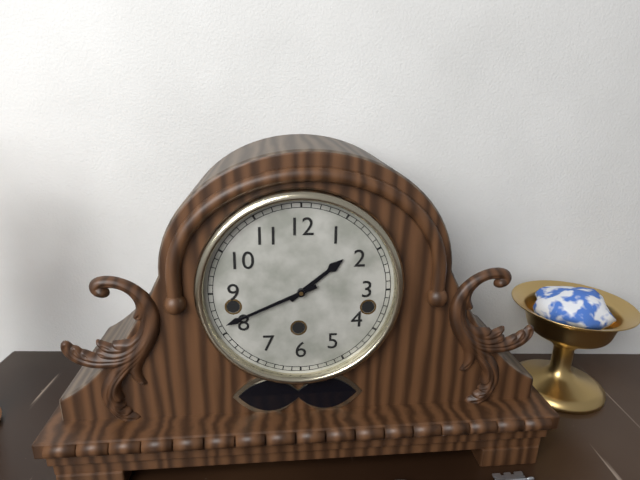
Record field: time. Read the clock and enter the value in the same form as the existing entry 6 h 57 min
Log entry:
1 h 41 min
